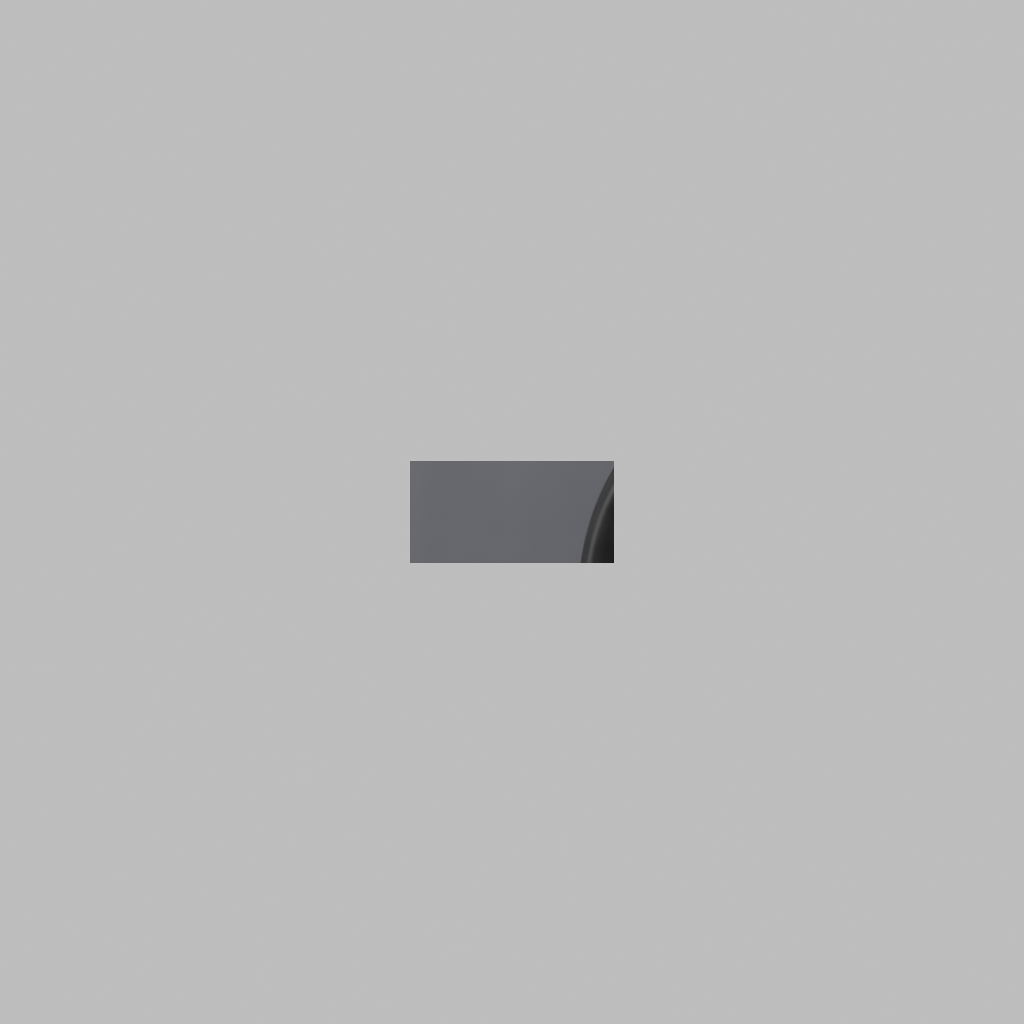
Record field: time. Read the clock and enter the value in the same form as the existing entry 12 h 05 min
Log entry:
7 h 33 min
